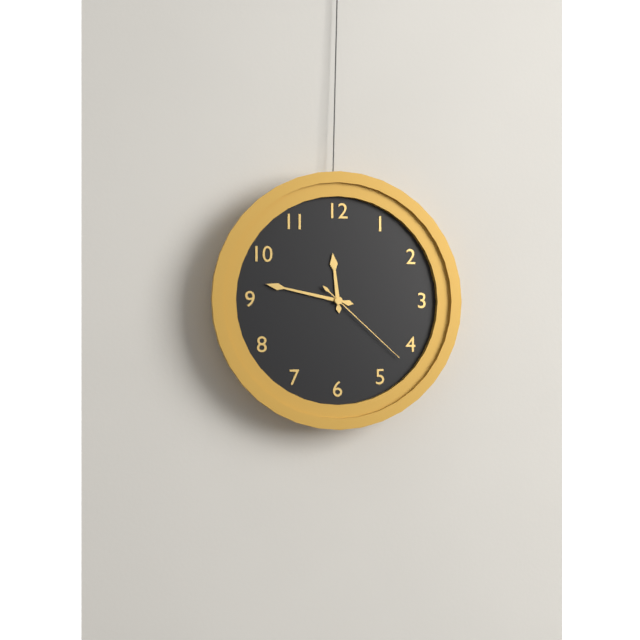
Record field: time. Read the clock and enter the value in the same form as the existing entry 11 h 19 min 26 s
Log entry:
11 h 47 min 22 s
